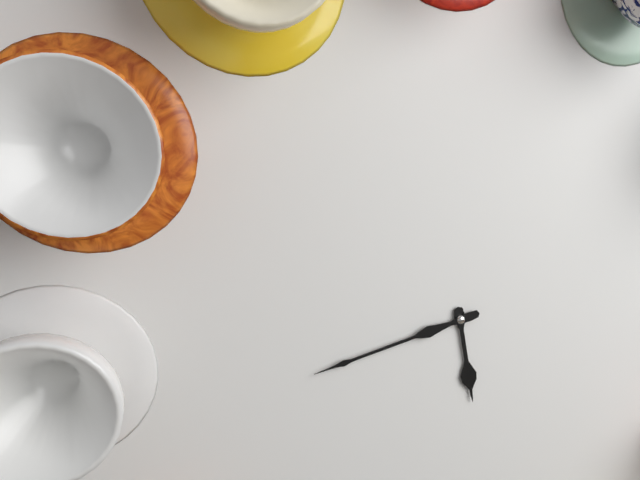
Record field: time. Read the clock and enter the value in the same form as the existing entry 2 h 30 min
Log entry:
5 h 43 min
